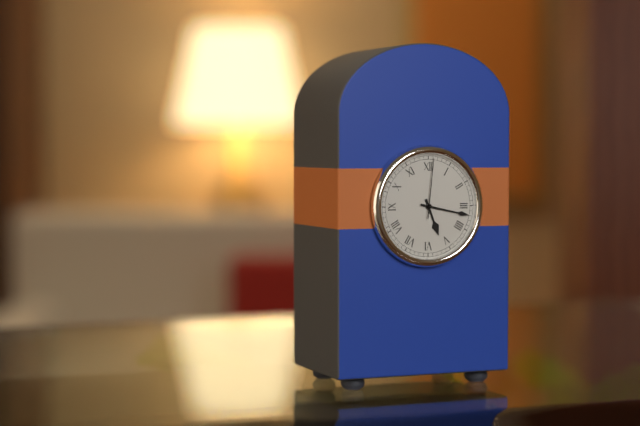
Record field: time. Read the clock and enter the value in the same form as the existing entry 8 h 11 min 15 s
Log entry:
5 h 17 min 01 s
